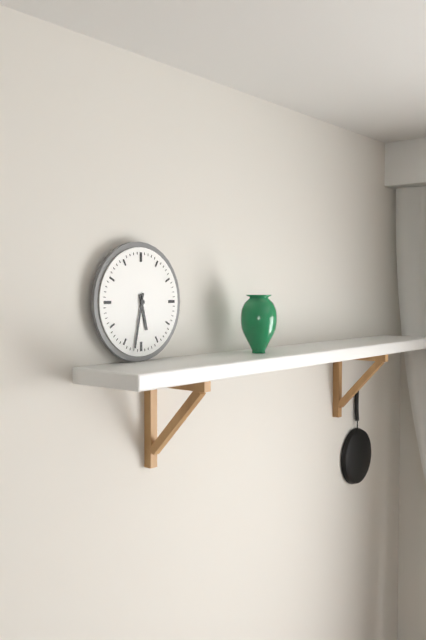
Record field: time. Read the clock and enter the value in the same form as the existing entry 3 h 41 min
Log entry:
5 h 32 min
